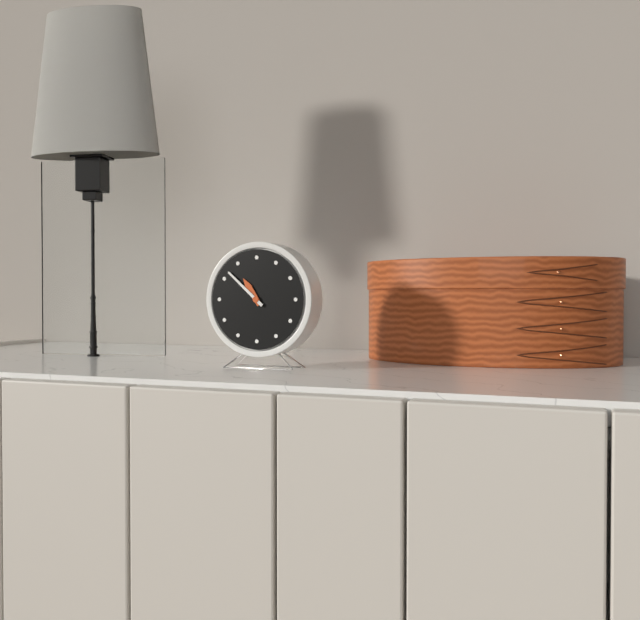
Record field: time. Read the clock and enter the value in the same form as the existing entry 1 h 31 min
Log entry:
10 h 52 min
